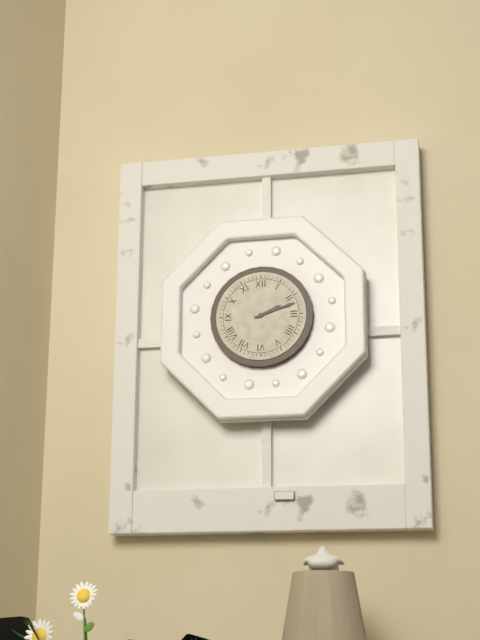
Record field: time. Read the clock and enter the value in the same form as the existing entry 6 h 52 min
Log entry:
2 h 12 min
